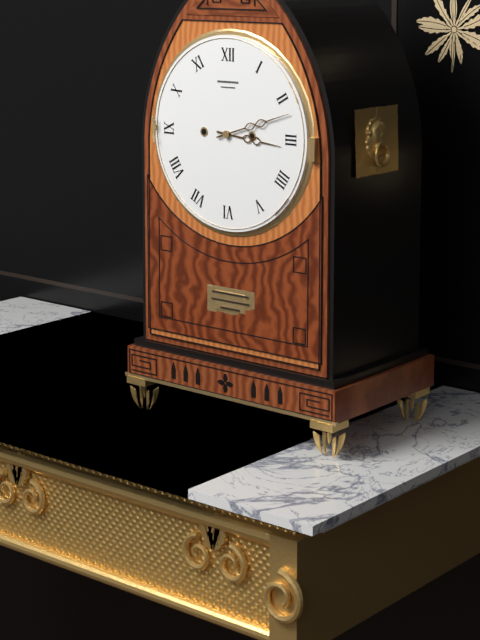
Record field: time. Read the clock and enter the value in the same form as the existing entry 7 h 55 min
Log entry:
3 h 12 min
